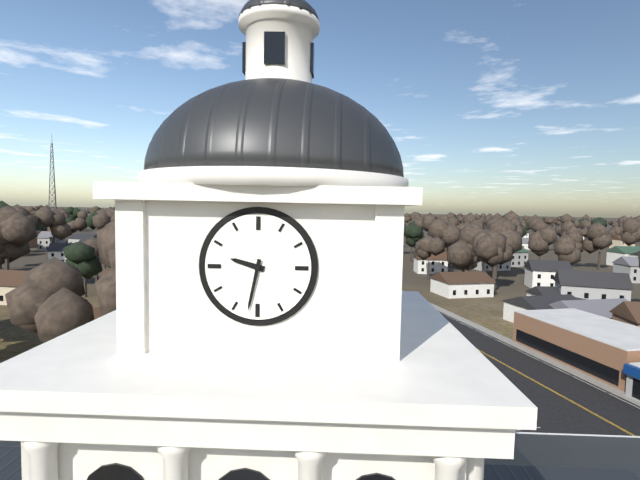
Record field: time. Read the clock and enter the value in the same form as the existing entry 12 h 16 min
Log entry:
9 h 32 min
